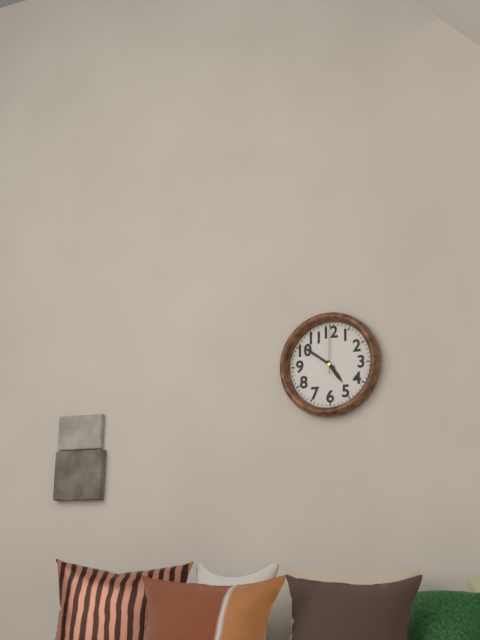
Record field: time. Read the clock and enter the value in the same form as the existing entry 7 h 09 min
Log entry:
4 h 51 min
